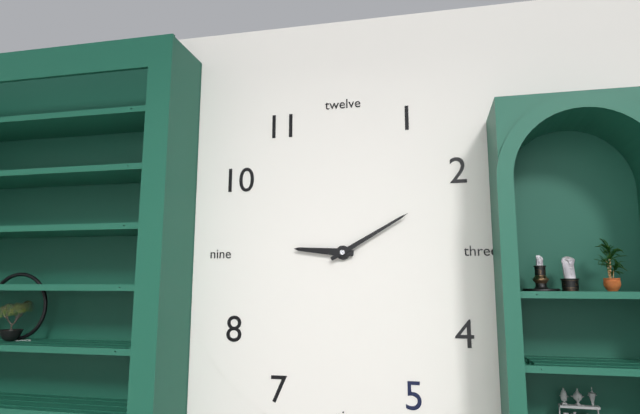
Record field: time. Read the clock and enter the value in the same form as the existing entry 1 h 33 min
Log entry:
9 h 10 min
